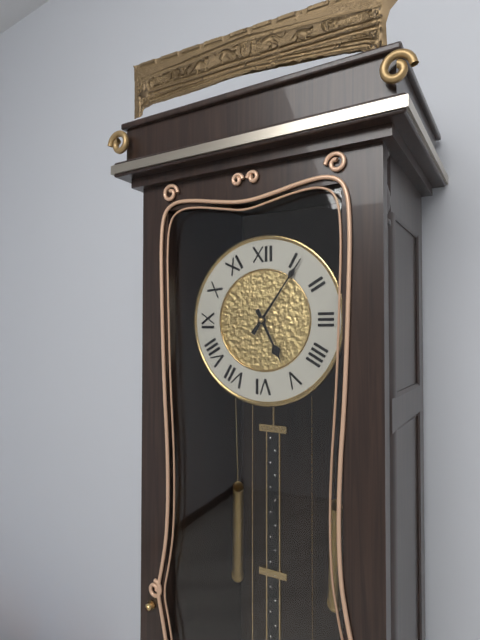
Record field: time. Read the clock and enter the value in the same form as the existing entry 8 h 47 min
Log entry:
5 h 06 min
